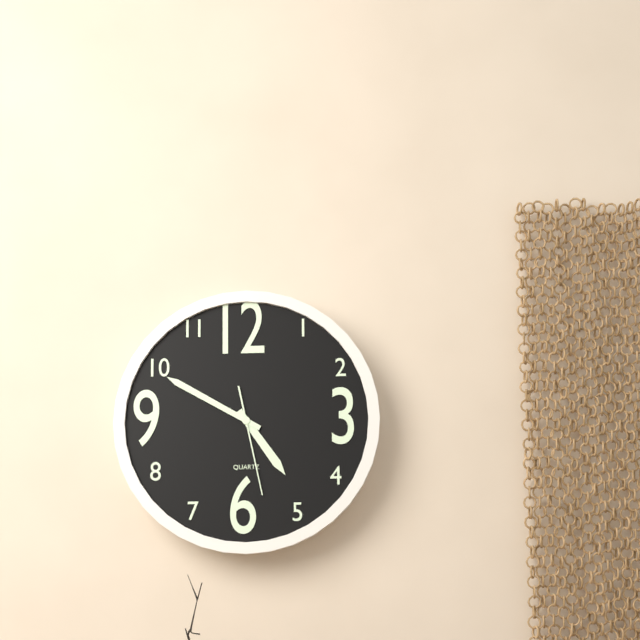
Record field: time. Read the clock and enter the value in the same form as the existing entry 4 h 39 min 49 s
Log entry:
4 h 50 min 28 s
